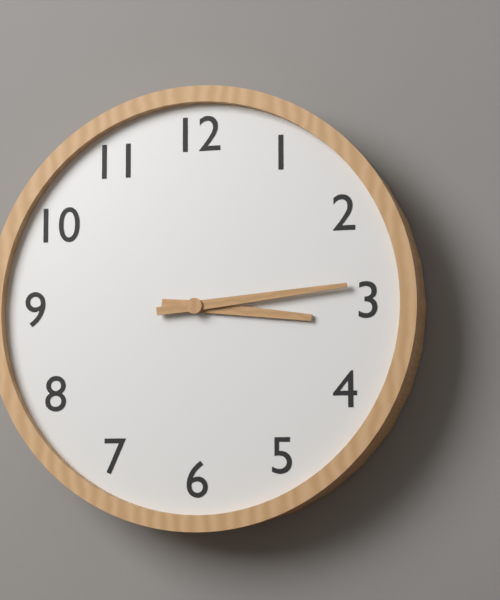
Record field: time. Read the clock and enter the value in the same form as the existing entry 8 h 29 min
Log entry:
3 h 14 min
